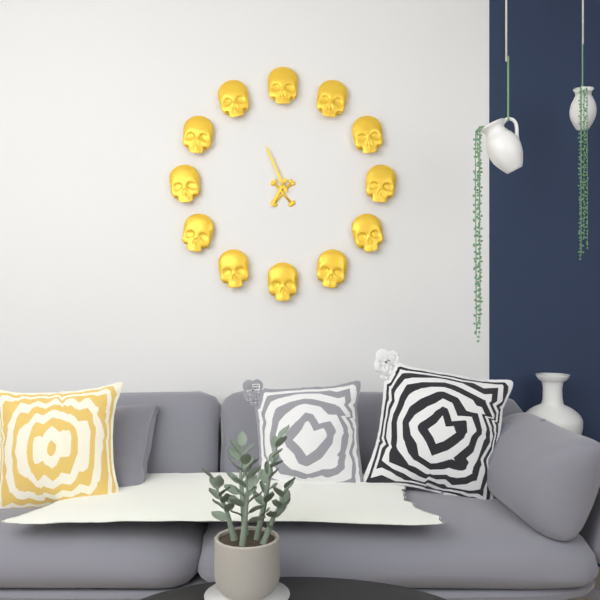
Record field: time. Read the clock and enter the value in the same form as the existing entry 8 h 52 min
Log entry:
6 h 56 min
